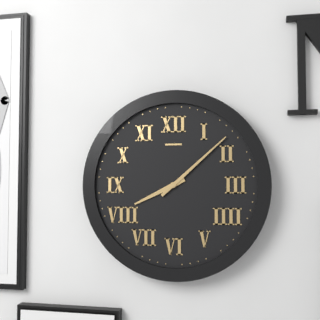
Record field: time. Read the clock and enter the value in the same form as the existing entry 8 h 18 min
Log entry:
8 h 08 min
